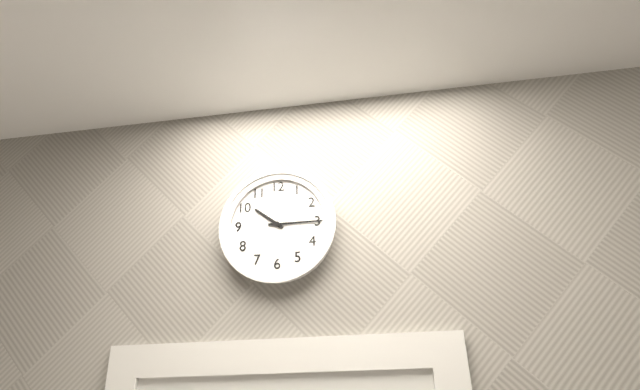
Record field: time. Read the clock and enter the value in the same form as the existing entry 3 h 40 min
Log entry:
10 h 15 min
